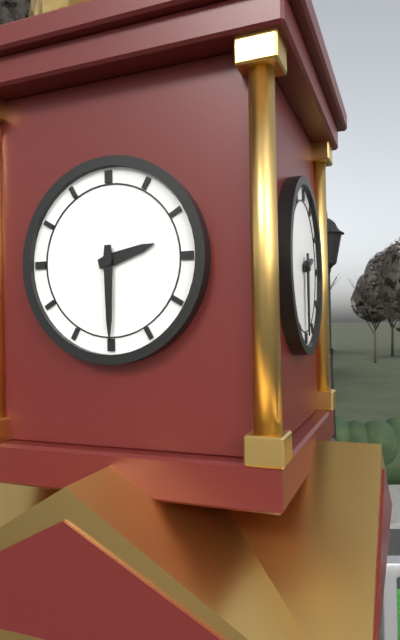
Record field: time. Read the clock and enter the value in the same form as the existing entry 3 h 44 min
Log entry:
2 h 30 min
